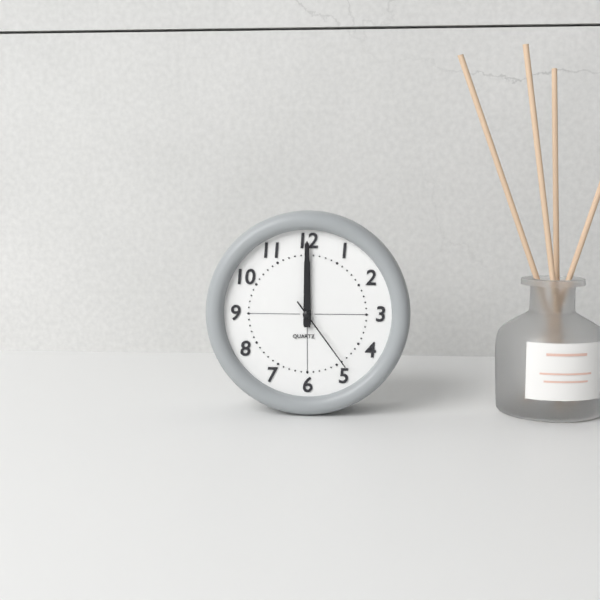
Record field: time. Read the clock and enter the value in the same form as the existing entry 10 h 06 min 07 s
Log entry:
12 h 00 min 24 s
